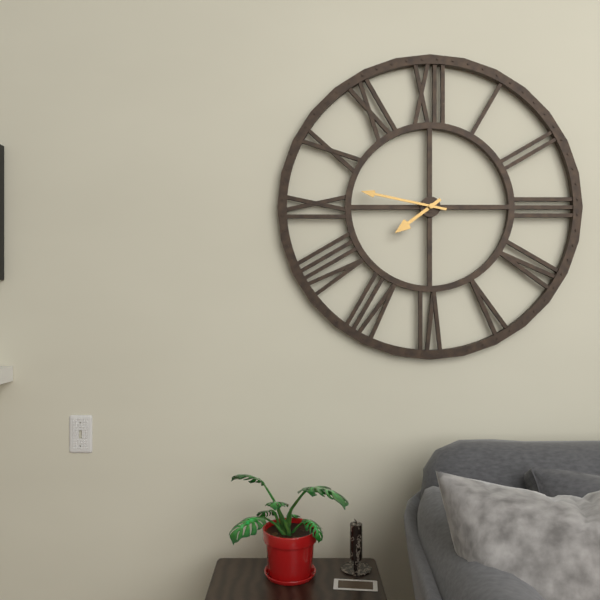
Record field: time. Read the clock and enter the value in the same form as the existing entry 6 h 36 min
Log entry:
7 h 47 min
